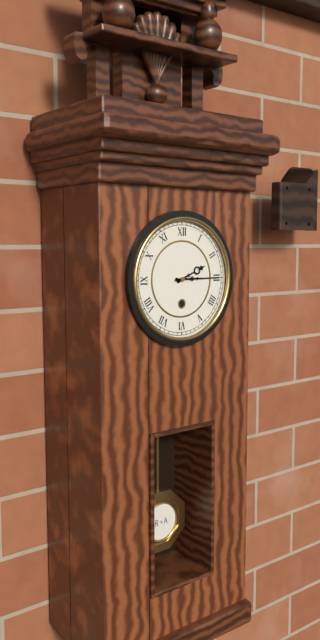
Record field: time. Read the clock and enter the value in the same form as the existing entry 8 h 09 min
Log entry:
2 h 15 min
